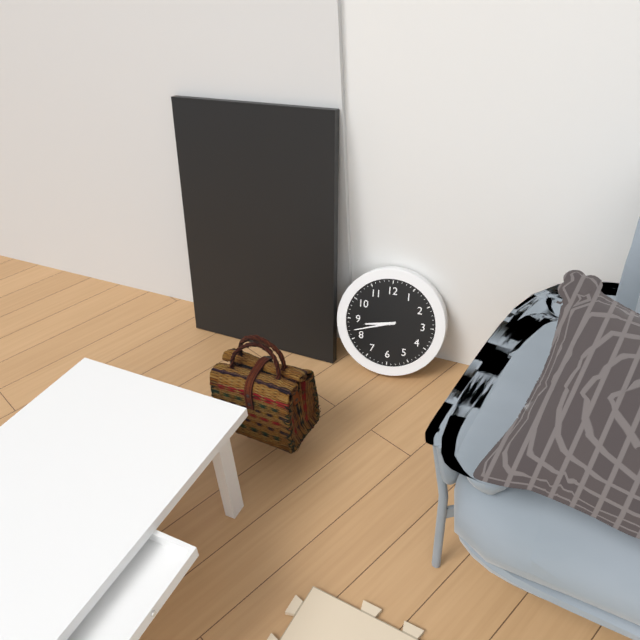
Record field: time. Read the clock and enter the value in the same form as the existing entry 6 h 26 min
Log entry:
8 h 42 min
